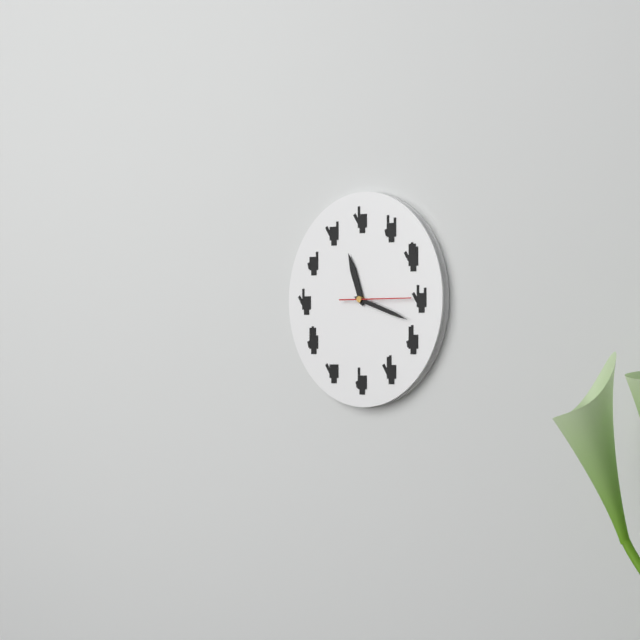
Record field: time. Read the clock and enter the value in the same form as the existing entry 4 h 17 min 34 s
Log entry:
11 h 18 min 15 s
